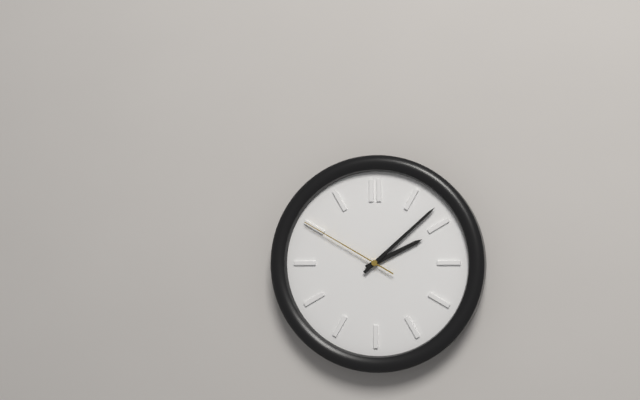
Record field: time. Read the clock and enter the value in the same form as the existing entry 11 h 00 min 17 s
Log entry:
2 h 08 min 50 s
